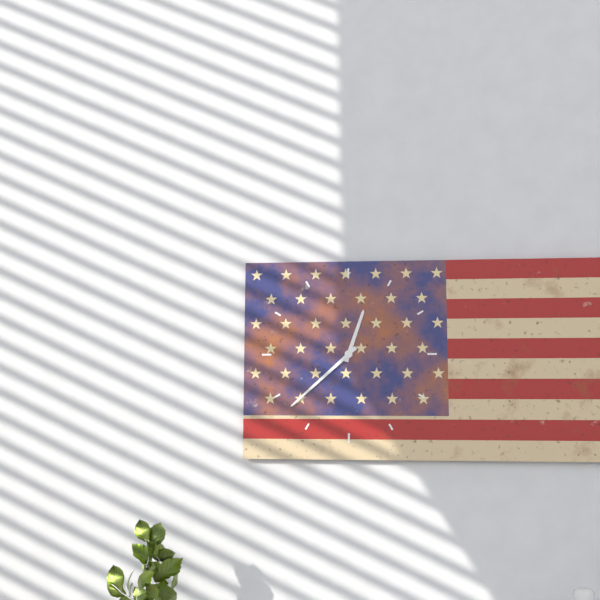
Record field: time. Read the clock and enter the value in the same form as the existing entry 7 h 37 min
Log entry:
12 h 38 min
